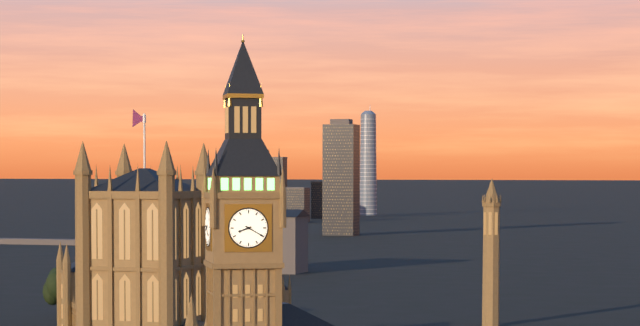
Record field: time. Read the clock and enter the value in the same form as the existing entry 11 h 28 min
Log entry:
8 h 20 min
